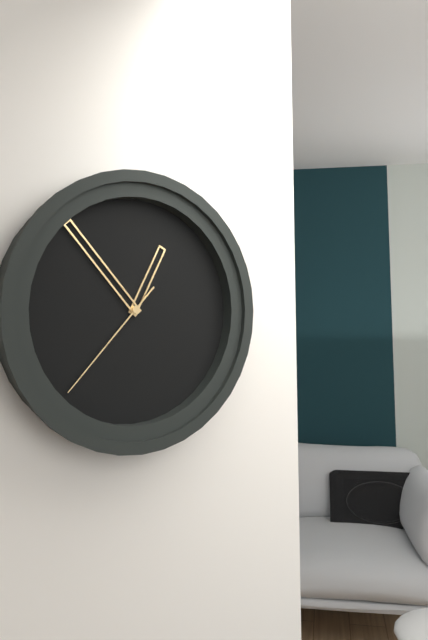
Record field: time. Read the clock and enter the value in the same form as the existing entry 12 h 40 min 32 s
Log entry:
12 h 53 min 37 s
